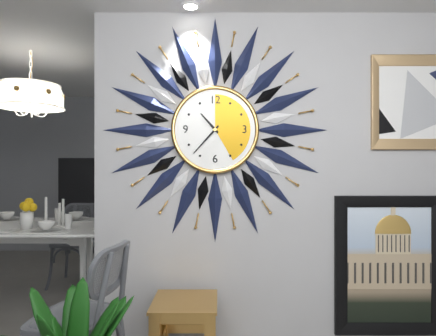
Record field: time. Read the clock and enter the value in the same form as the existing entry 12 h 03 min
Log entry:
10 h 37 min
